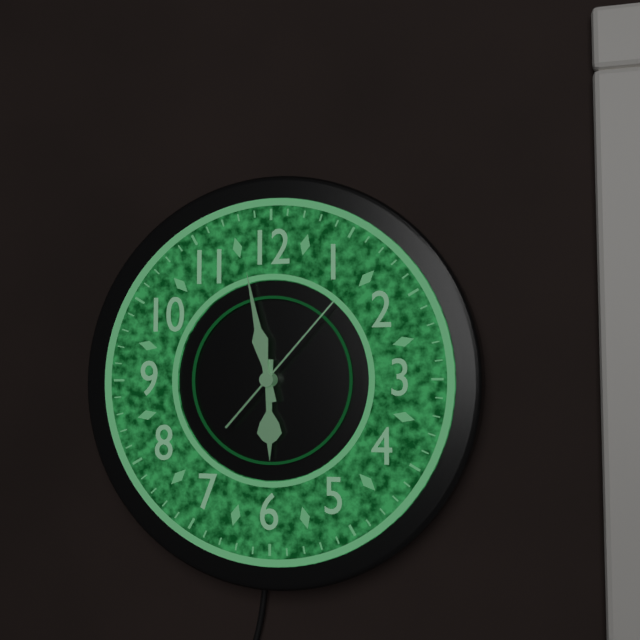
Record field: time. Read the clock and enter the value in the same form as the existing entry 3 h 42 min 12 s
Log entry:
5 h 58 min 07 s
